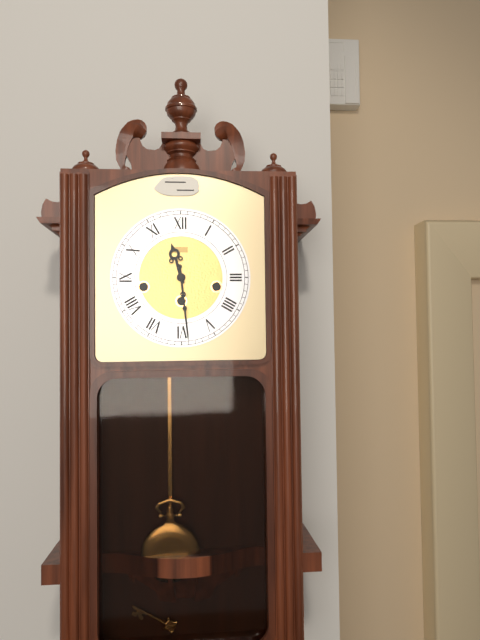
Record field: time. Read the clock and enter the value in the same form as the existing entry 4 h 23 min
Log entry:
11 h 29 min
